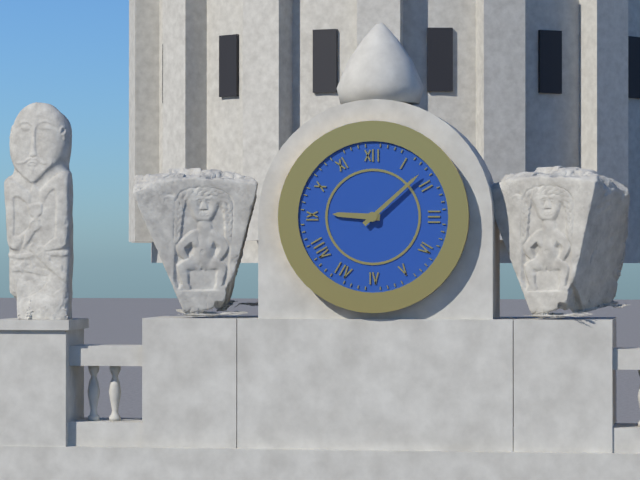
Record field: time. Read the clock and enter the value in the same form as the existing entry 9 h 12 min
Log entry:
9 h 08 min
